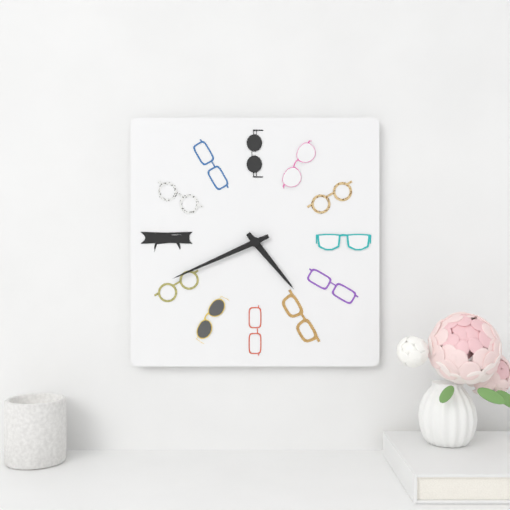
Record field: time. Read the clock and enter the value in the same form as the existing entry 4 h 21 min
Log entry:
4 h 41 min
